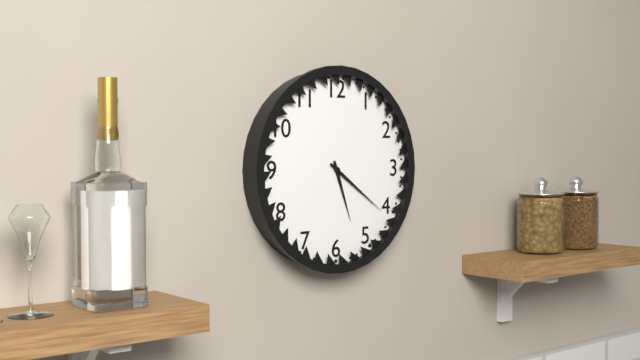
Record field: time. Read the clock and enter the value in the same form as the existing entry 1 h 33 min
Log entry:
5 h 21 min
